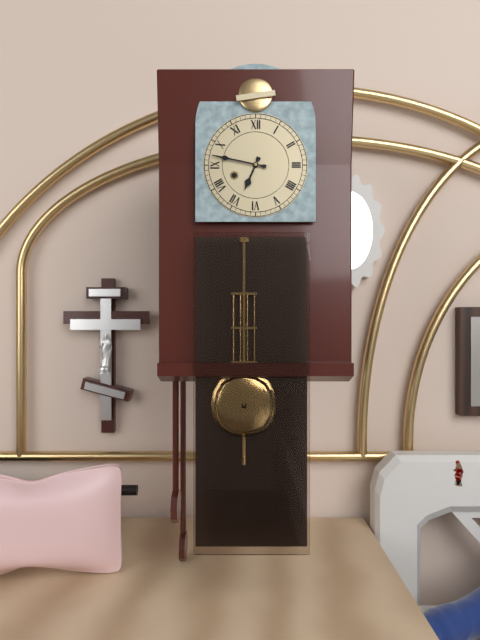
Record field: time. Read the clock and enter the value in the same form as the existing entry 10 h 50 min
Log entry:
6 h 47 min
